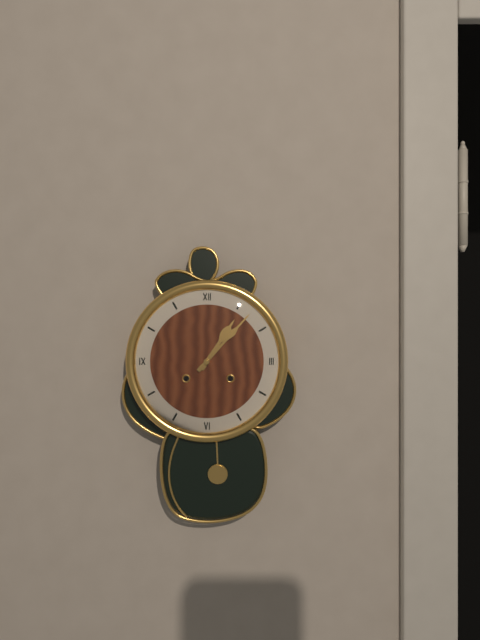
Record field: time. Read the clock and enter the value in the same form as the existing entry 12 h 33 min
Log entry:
1 h 07 min
